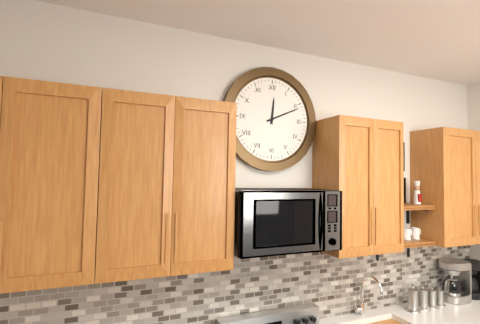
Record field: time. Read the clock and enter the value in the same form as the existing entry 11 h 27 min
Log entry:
12 h 11 min
